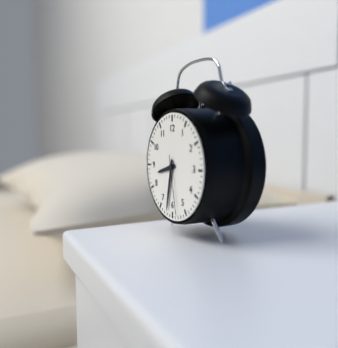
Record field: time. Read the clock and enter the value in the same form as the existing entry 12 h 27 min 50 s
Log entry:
8 h 32 min 28 s
